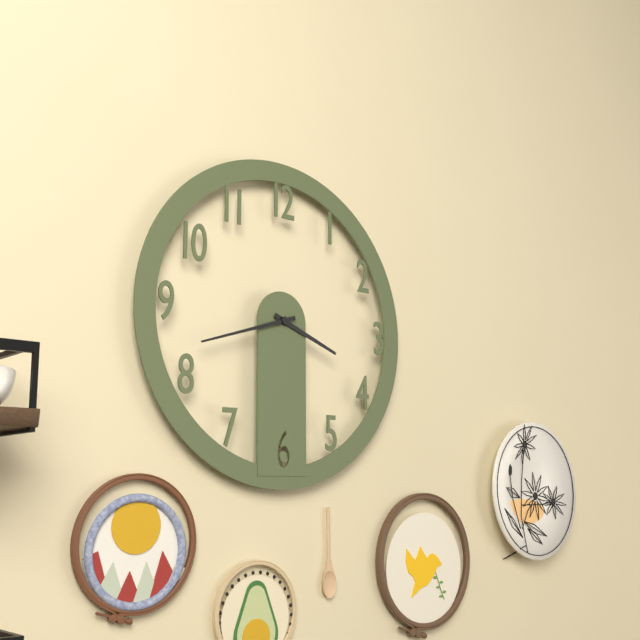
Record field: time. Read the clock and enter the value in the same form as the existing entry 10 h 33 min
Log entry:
3 h 42 min
